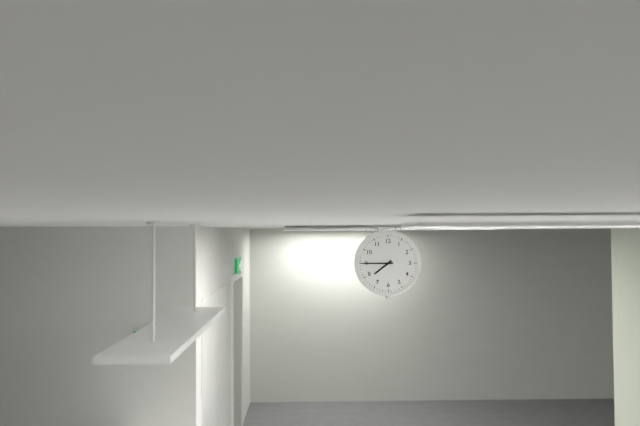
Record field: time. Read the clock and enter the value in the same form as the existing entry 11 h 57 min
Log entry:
7 h 45 min
